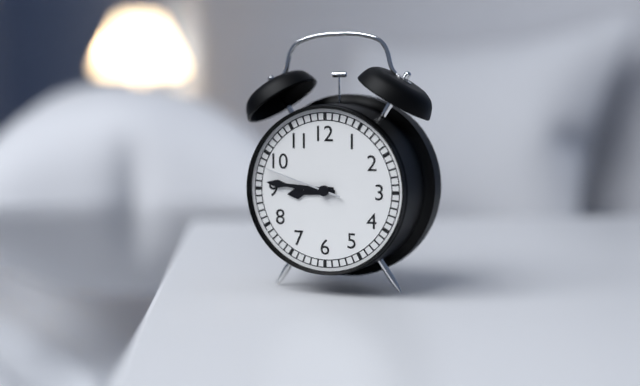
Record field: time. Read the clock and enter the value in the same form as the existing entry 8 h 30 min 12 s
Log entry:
8 h 46 min 48 s
